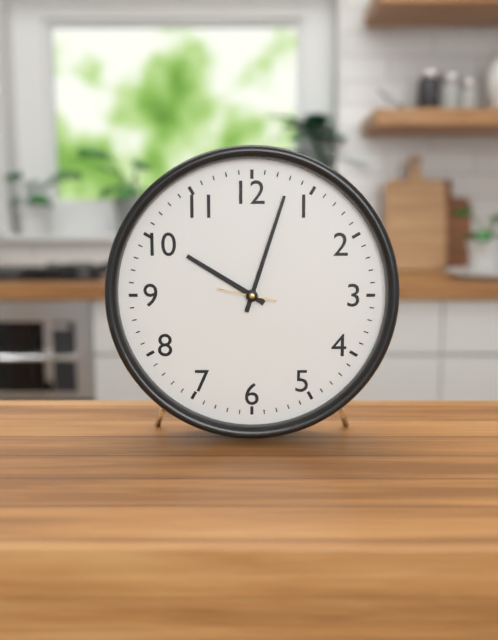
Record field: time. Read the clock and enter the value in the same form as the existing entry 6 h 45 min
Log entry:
10 h 03 min
